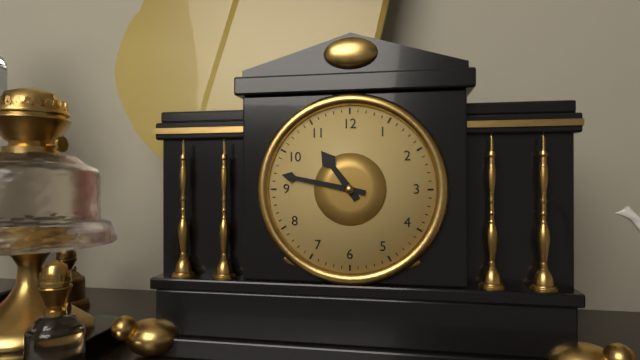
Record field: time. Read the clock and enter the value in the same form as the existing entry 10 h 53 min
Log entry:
10 h 47 min
